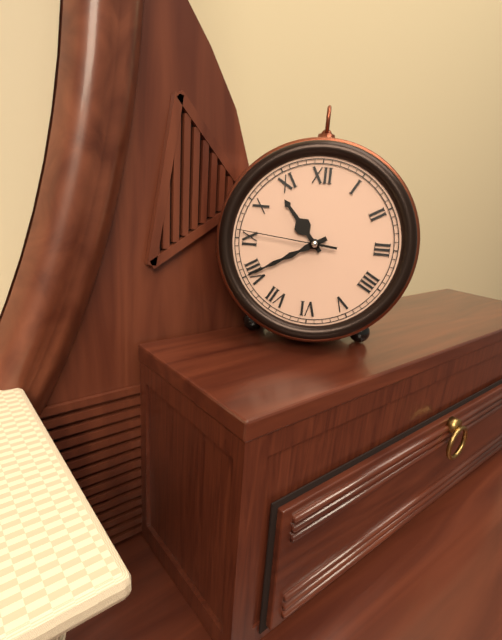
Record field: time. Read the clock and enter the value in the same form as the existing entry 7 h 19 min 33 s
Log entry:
10 h 40 min 46 s
